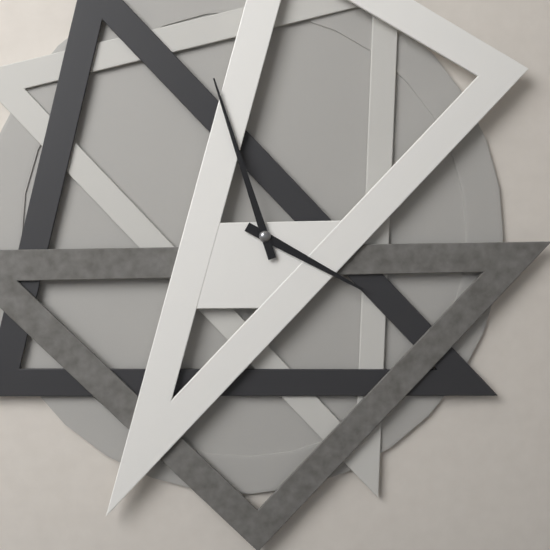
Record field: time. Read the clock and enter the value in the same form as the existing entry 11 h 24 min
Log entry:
3 h 57 min
